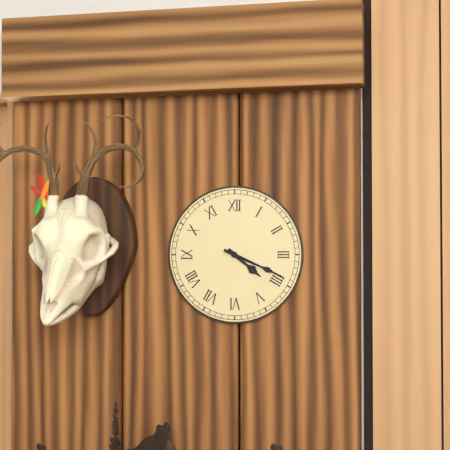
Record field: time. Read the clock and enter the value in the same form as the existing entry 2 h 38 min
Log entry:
4 h 19 min
